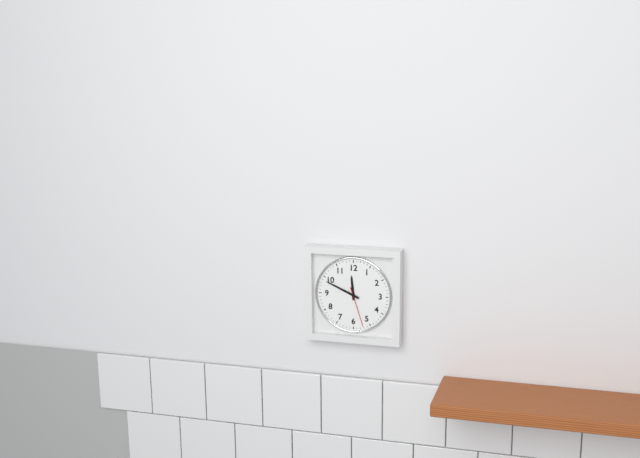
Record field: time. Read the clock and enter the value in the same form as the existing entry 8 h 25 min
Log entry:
11 h 49 min
